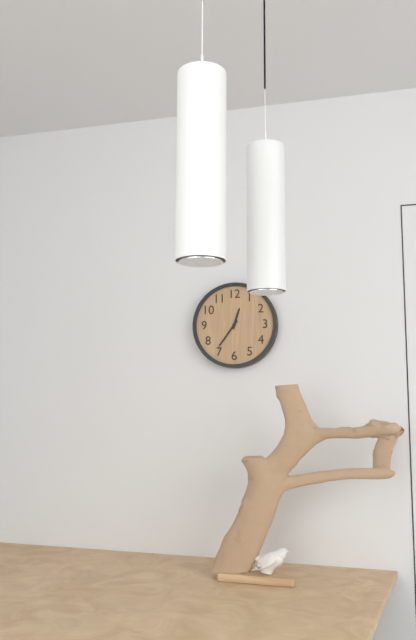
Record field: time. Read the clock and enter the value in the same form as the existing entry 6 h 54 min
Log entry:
12 h 36 min
